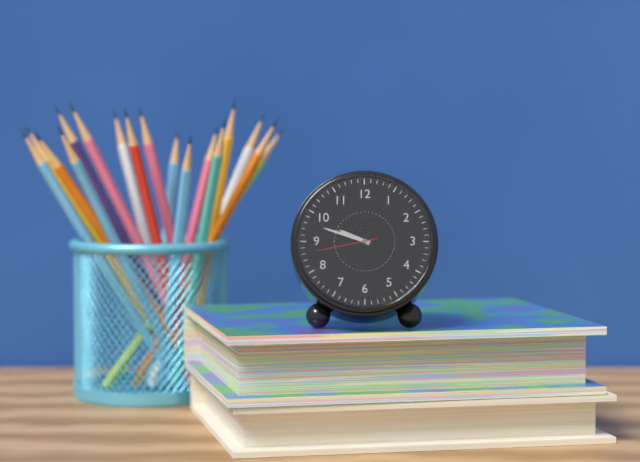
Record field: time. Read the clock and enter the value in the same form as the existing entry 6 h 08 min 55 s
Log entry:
9 h 48 min 43 s
